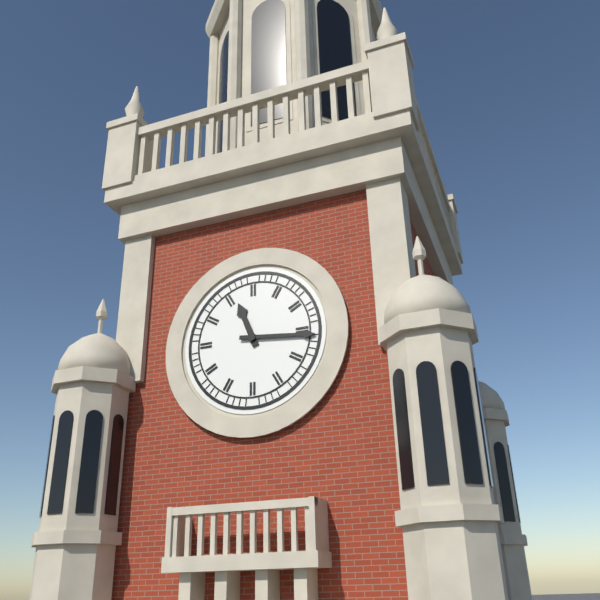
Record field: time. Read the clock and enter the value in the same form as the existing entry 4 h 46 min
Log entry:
11 h 16 min
